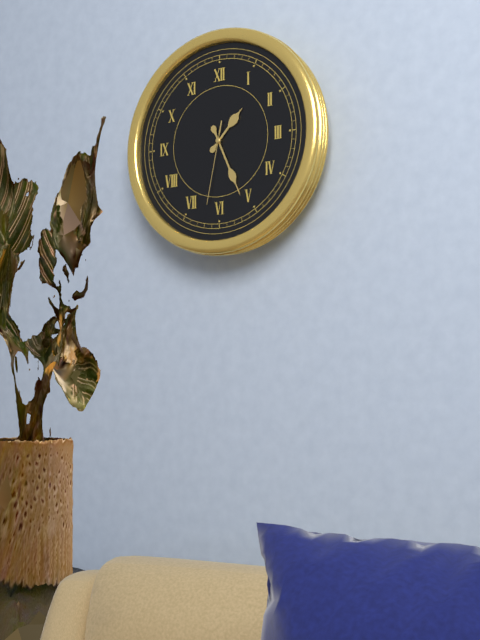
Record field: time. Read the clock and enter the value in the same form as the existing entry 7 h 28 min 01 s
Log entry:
1 h 26 min 32 s
